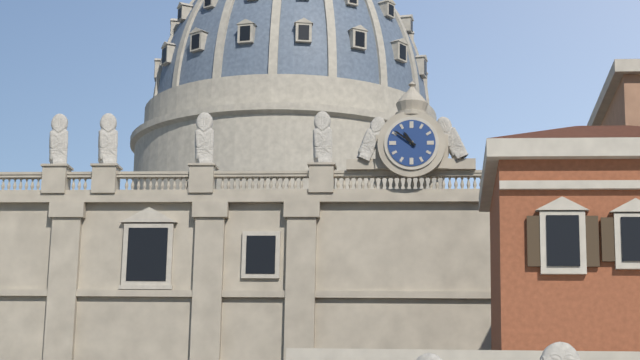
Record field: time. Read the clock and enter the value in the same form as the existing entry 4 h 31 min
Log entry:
10 h 51 min
